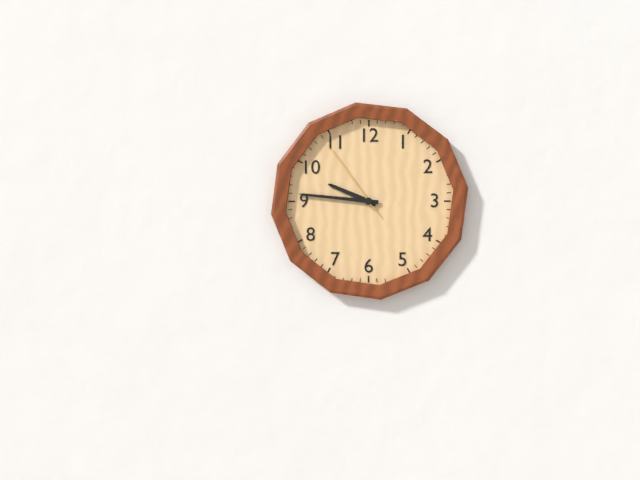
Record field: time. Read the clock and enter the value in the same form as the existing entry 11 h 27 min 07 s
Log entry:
9 h 46 min 54 s
